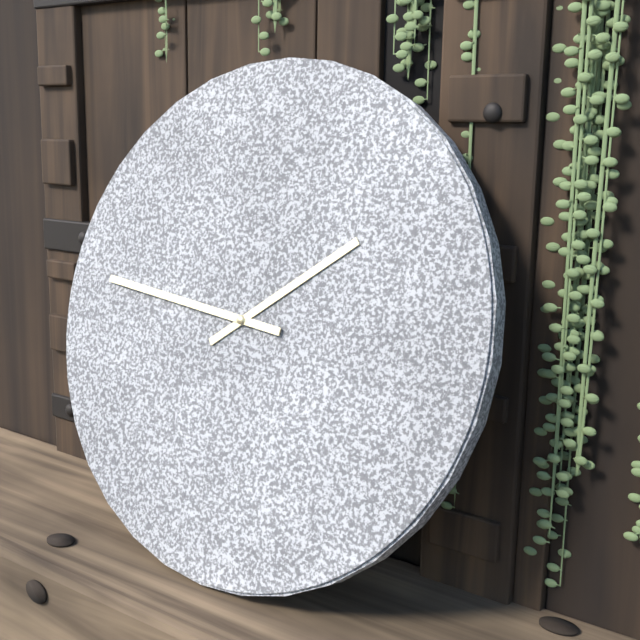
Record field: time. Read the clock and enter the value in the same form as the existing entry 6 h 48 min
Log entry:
1 h 46 min
